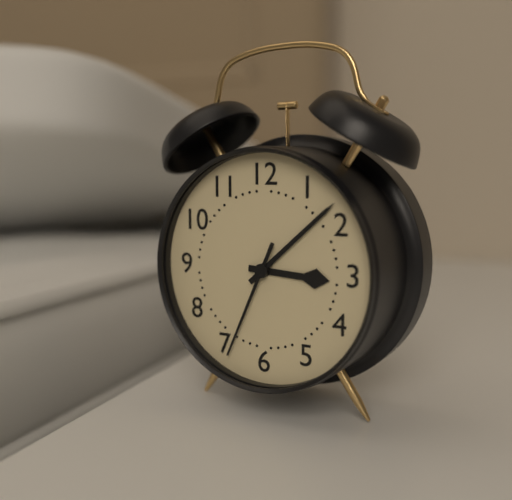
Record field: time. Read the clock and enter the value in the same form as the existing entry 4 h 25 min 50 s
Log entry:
3 h 08 min 34 s
